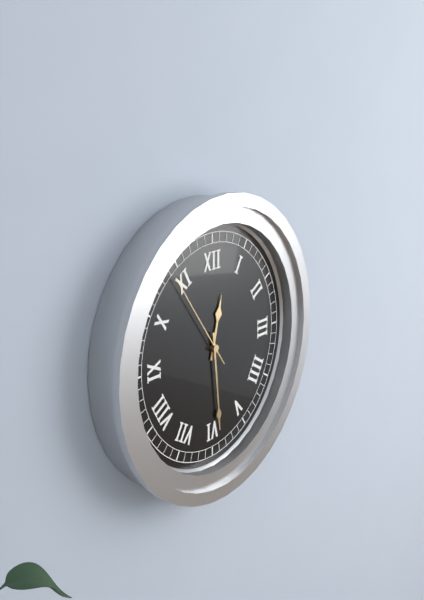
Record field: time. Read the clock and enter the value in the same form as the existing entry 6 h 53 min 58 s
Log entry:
12 h 29 min 54 s
